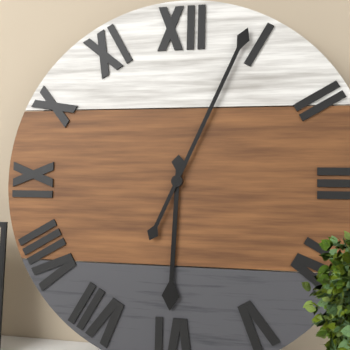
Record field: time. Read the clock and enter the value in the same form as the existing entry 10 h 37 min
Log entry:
6 h 04 min
